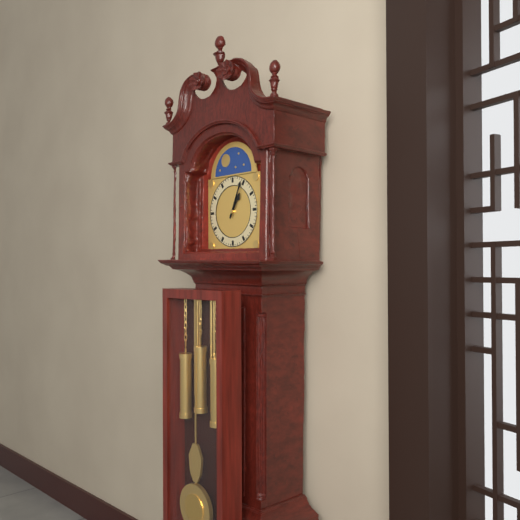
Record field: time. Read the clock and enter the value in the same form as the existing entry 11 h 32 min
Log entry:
1 h 04 min
